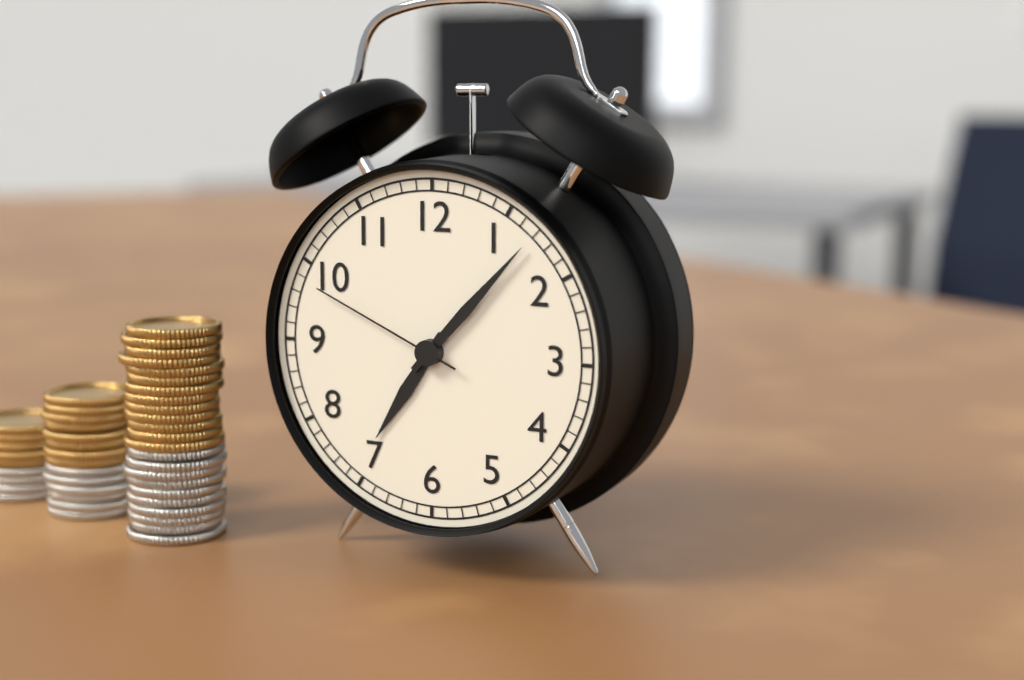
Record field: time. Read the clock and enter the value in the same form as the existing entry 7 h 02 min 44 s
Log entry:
7 h 07 min 49 s
